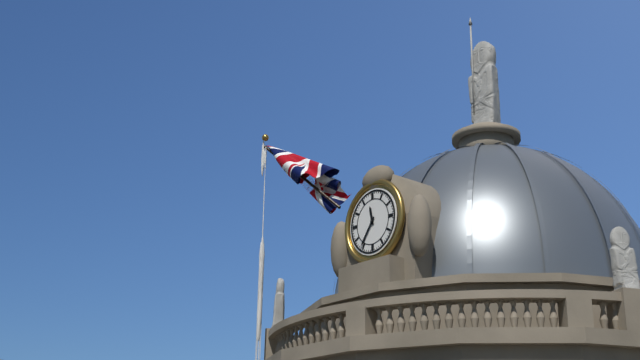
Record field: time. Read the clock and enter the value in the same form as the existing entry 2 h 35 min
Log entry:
11 h 36 min
